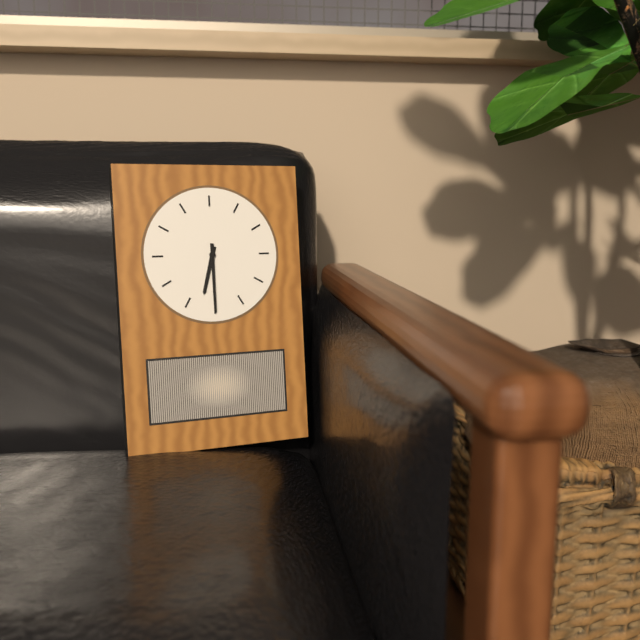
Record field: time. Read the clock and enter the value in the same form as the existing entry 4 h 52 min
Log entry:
6 h 30 min
